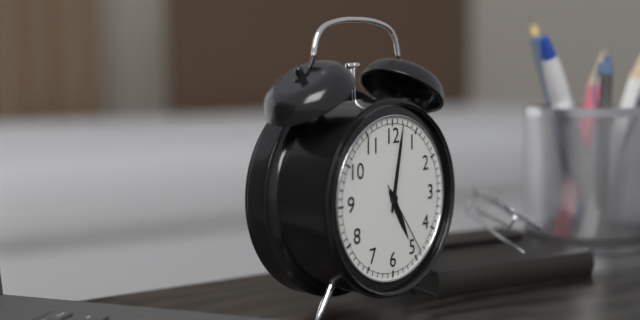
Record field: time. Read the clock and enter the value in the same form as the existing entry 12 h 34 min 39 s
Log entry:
5 h 02 min 24 s
